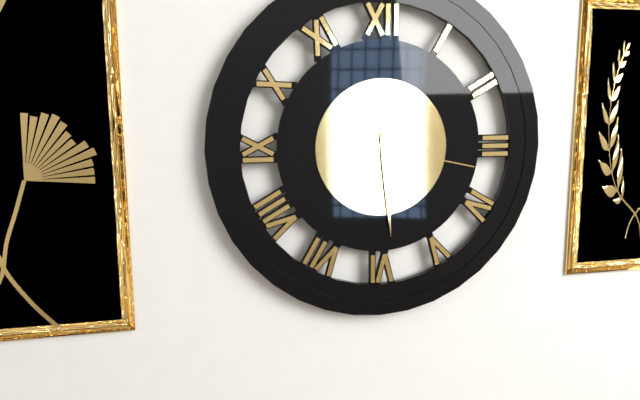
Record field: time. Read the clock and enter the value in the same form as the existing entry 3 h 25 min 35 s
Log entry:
9 h 29 min 17 s
